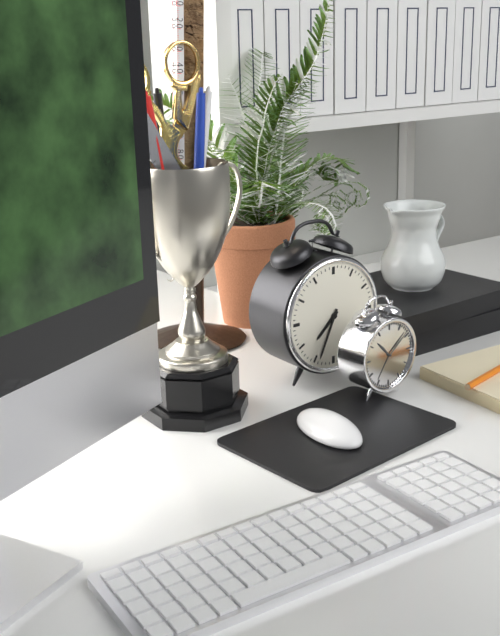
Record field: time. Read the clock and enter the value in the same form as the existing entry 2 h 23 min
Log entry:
7 h 34 min
